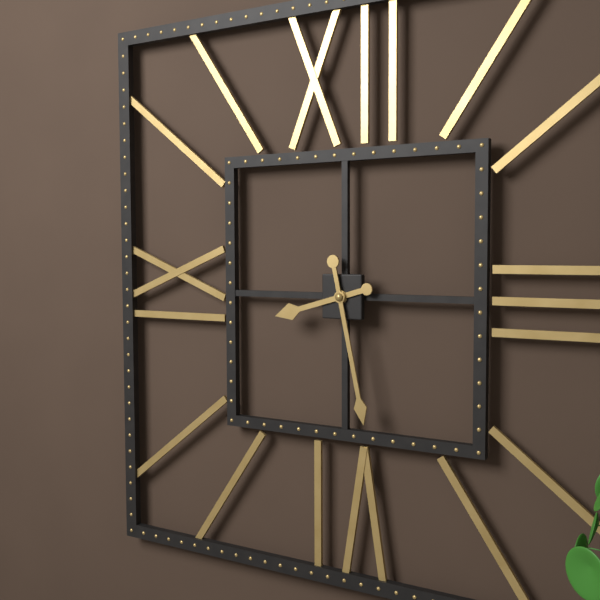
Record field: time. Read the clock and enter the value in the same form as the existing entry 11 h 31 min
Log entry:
8 h 28 min
